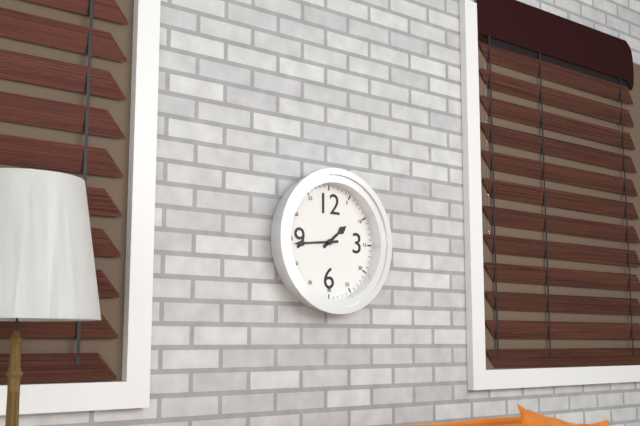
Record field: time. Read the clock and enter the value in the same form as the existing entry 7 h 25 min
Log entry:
1 h 44 min
